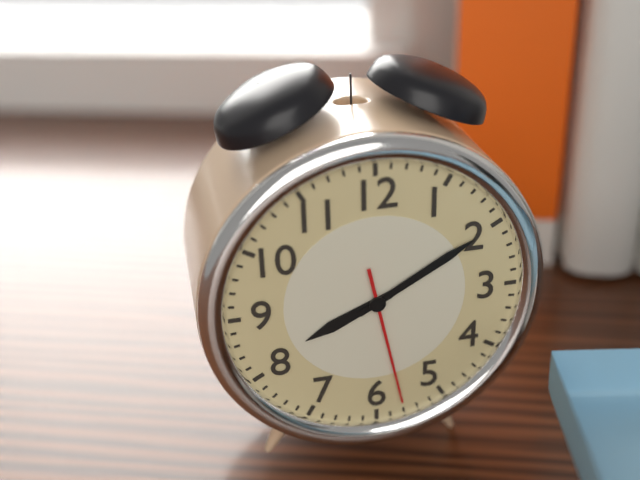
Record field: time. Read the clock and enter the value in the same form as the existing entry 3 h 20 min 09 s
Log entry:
8 h 10 min 28 s
